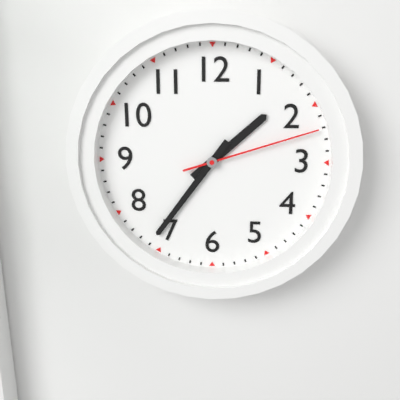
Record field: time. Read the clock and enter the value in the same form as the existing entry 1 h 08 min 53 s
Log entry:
1 h 36 min 12 s
